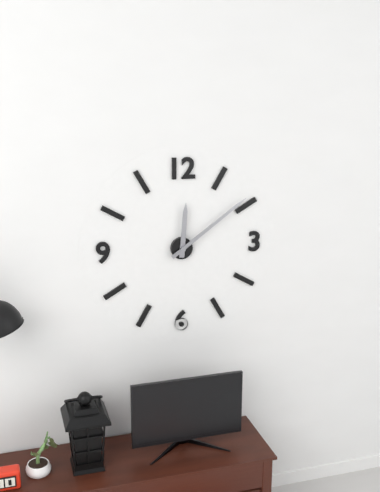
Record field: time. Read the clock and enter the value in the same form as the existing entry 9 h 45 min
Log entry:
12 h 09 min
